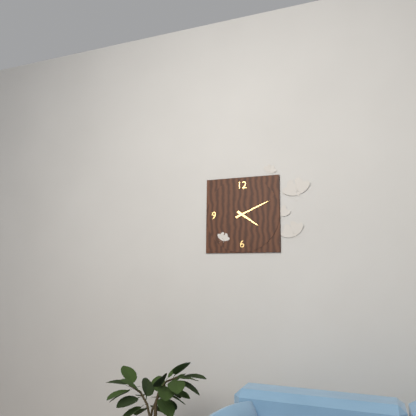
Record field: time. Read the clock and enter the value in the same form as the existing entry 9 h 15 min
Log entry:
4 h 11 min
